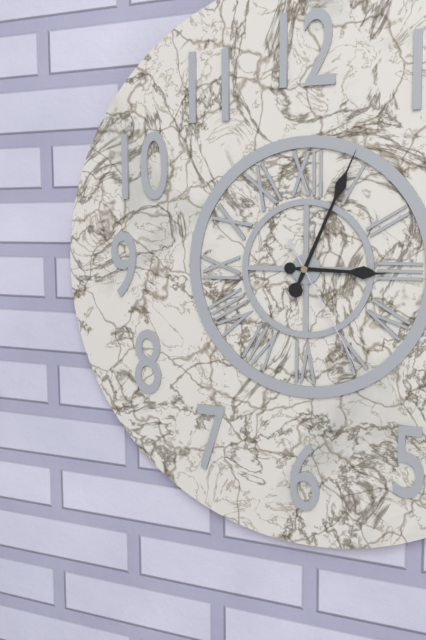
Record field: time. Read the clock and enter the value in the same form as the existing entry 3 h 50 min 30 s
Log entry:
3 h 04 min 25 s
